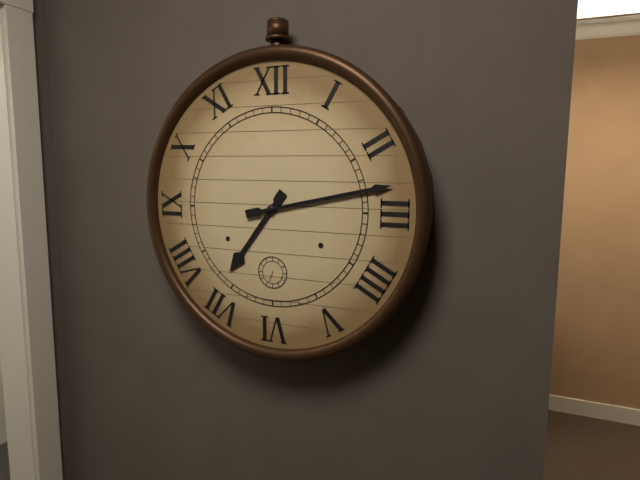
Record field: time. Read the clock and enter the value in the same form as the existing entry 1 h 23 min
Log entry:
7 h 13 min
